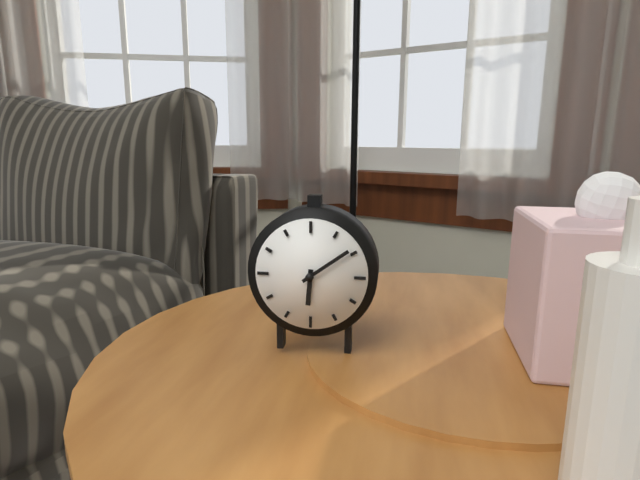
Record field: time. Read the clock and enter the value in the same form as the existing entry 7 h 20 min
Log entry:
6 h 09 min
